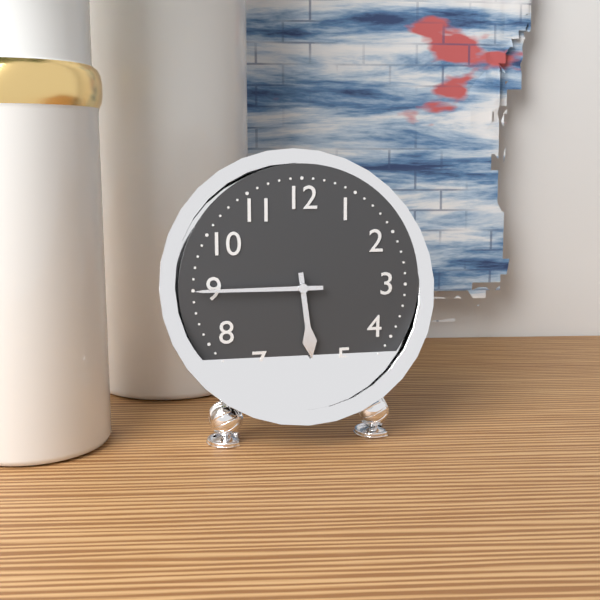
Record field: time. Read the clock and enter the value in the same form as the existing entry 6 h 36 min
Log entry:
5 h 45 min
